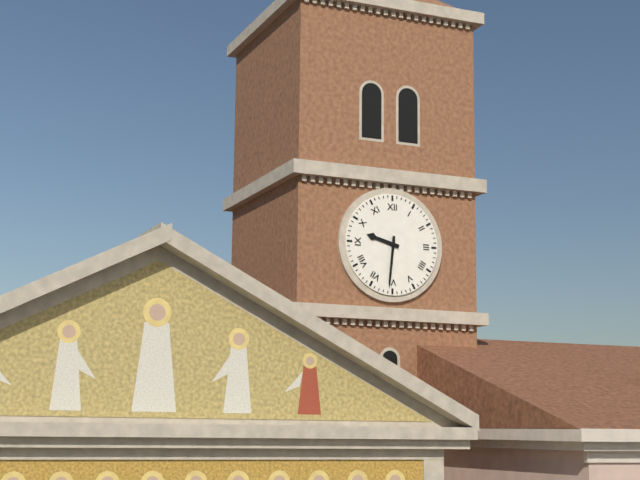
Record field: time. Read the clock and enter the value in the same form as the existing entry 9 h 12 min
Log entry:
9 h 31 min
